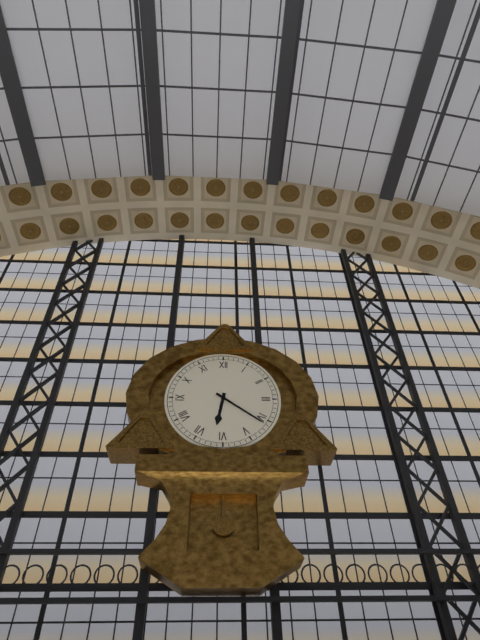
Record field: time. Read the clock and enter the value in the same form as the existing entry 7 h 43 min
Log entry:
6 h 21 min
